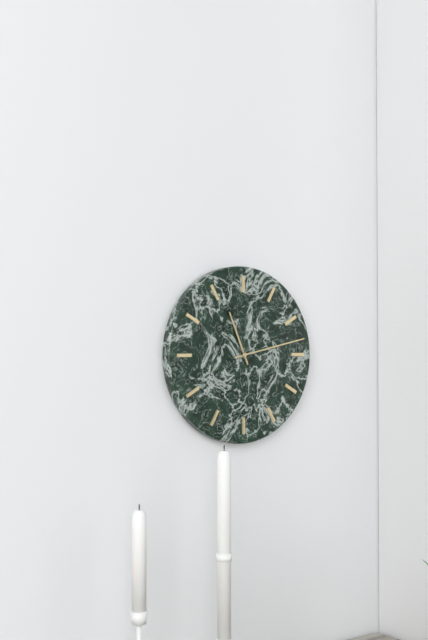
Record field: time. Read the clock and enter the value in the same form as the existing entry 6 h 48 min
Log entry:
11 h 13 min
